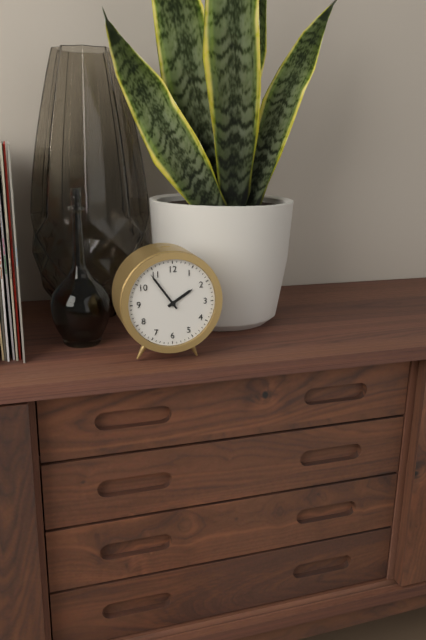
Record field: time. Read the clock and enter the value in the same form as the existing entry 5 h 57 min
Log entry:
1 h 54 min
